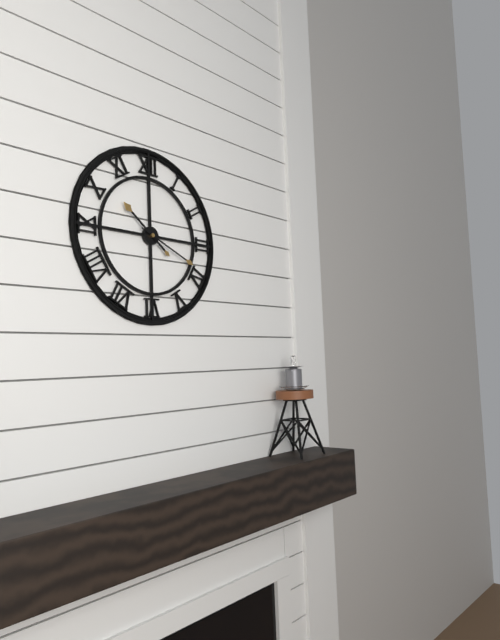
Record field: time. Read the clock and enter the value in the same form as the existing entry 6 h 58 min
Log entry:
10 h 19 min
